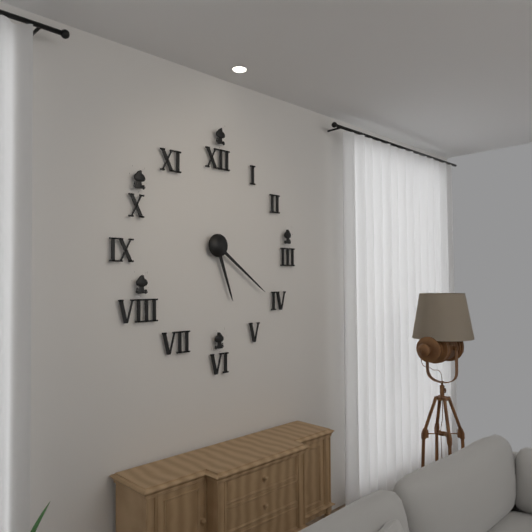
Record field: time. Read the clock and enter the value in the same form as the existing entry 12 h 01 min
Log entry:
5 h 21 min
